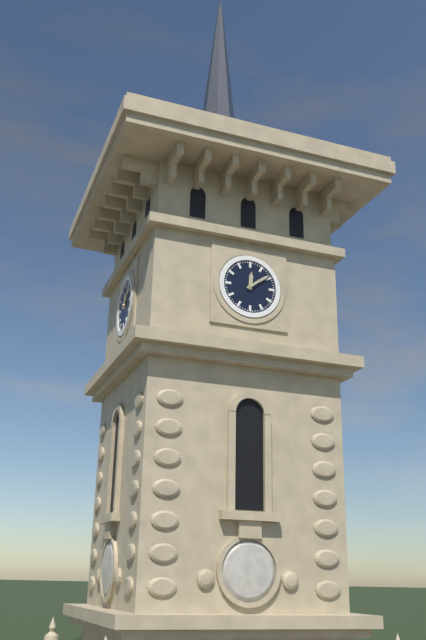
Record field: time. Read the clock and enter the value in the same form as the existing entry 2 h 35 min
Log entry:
12 h 09 min
